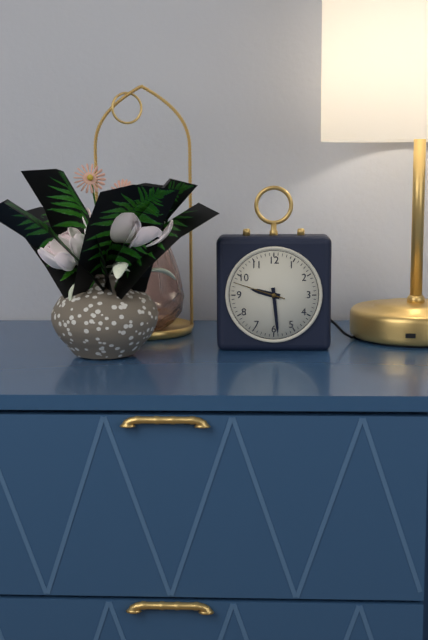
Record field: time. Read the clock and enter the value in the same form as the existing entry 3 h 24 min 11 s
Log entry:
9 h 29 min 48 s
